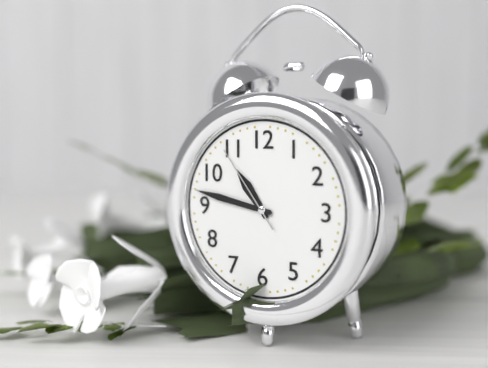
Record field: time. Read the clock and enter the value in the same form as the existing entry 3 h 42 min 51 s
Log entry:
10 h 47 min 54 s
